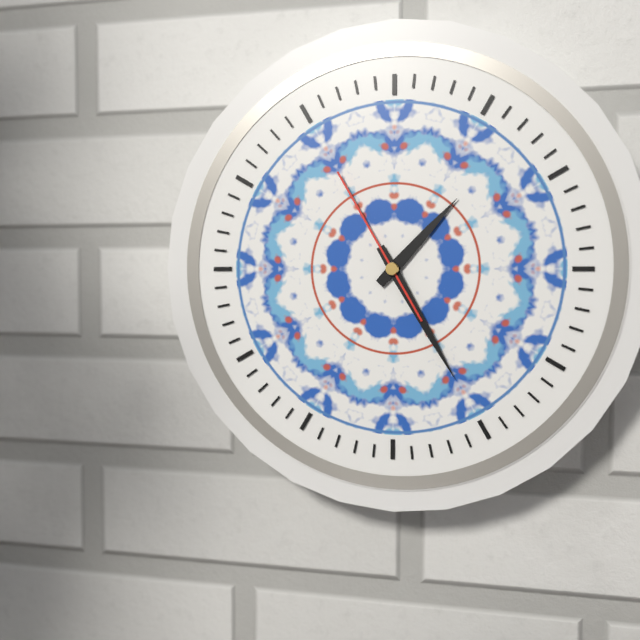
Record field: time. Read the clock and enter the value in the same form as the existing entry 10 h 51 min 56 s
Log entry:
1 h 25 min 55 s
